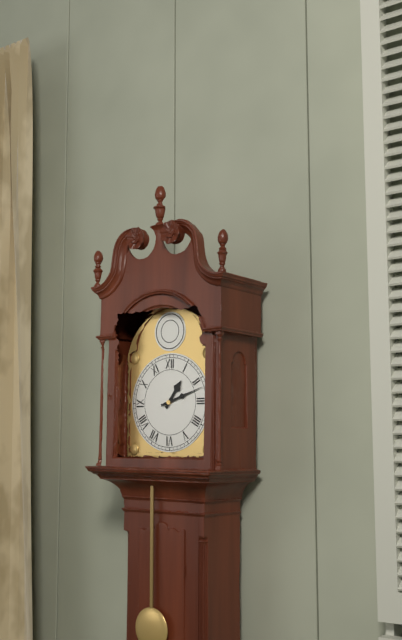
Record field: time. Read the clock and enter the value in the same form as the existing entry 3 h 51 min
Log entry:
1 h 12 min
